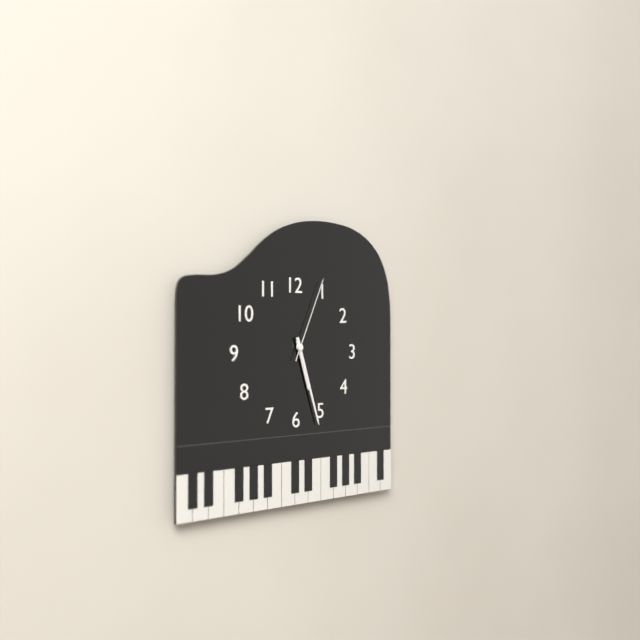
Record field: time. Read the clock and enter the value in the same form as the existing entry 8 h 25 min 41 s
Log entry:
5 h 27 min 04 s
